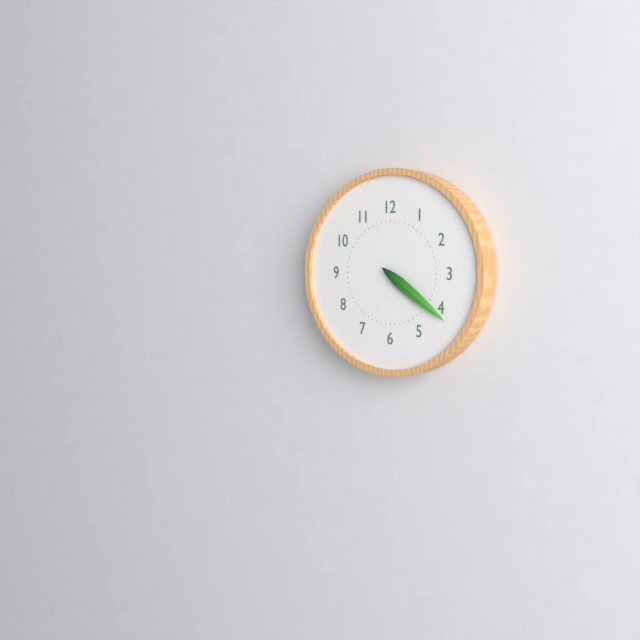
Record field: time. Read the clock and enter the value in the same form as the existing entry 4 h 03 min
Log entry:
4 h 21 min
